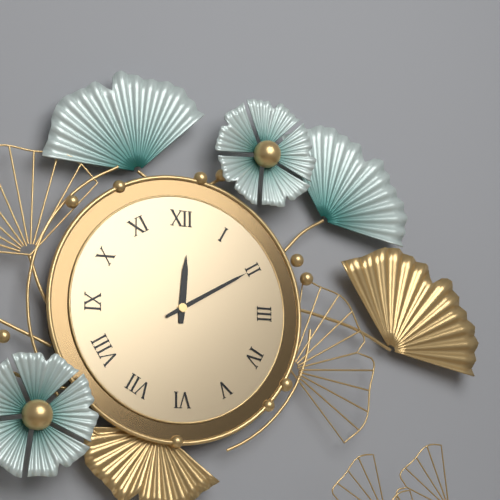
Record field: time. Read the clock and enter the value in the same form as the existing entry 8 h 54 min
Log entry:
12 h 10 min
